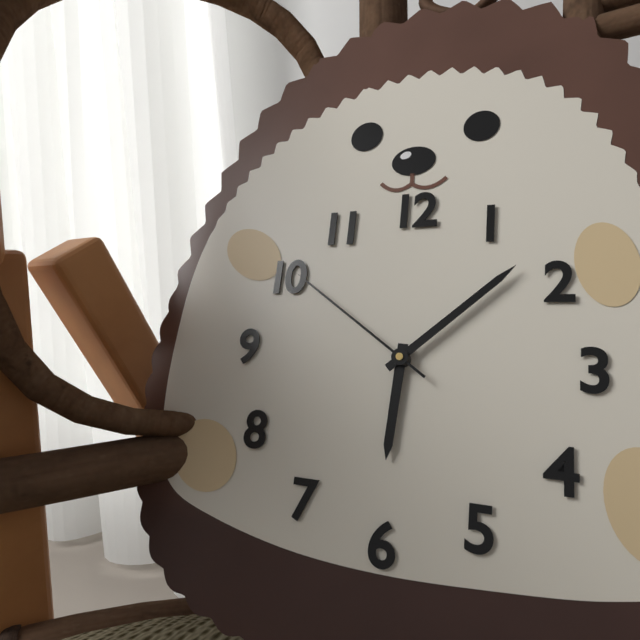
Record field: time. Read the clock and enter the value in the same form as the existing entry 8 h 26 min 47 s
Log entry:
6 h 08 min 51 s
